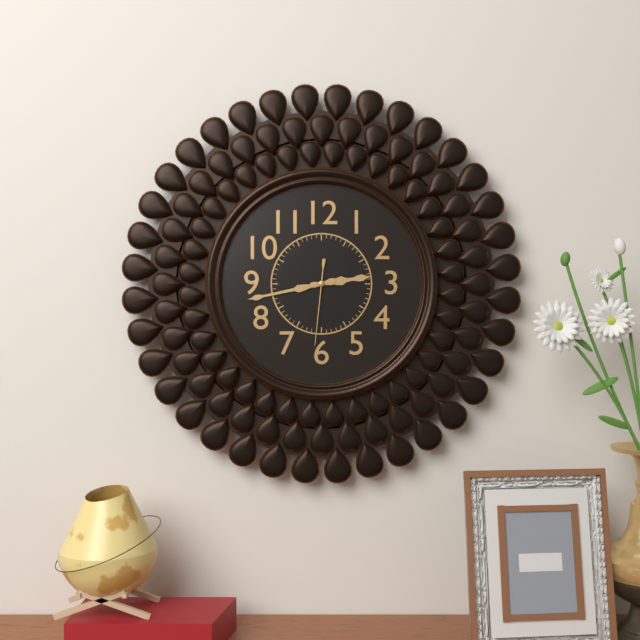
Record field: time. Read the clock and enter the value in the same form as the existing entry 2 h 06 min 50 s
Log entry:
2 h 43 min 31 s
